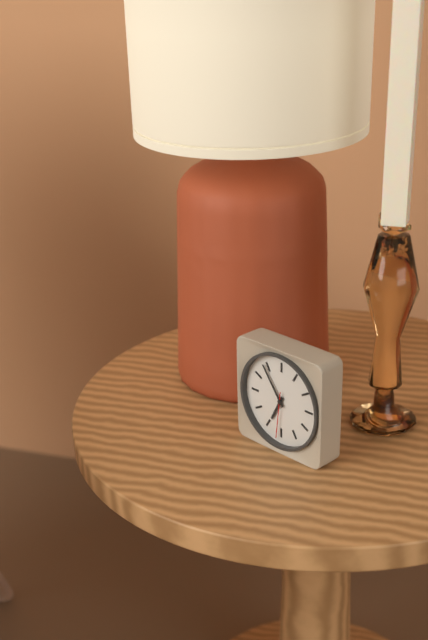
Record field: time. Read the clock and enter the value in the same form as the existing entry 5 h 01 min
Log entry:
6 h 54 min
